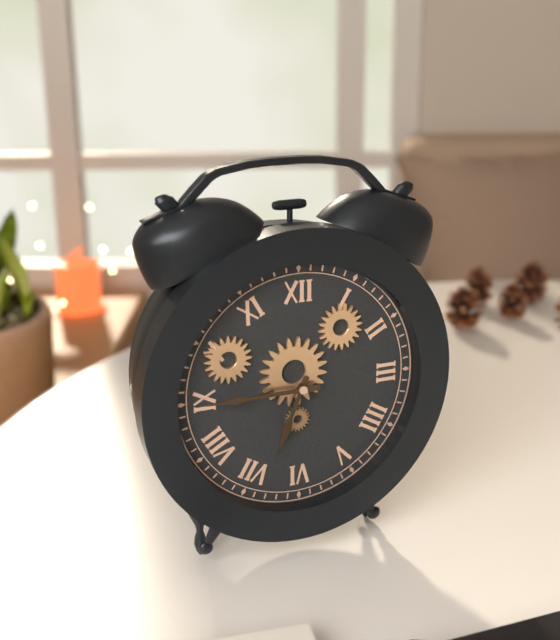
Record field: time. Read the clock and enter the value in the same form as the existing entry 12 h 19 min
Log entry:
6 h 45 min
